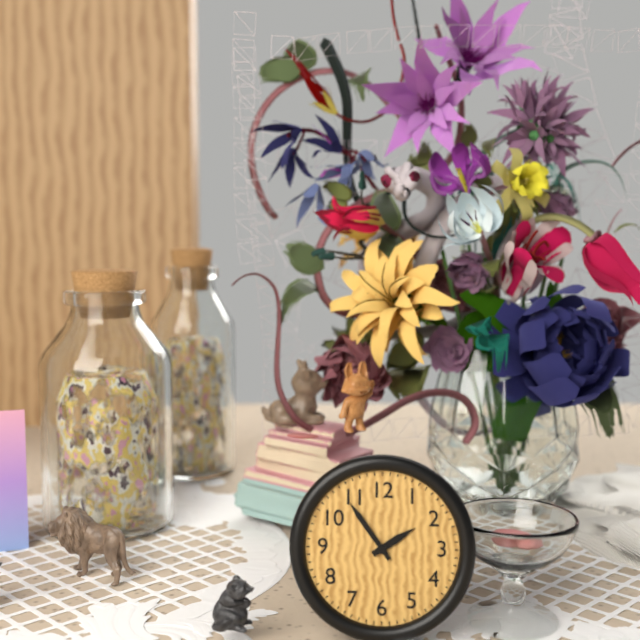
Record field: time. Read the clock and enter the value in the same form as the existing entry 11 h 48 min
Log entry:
1 h 54 min
